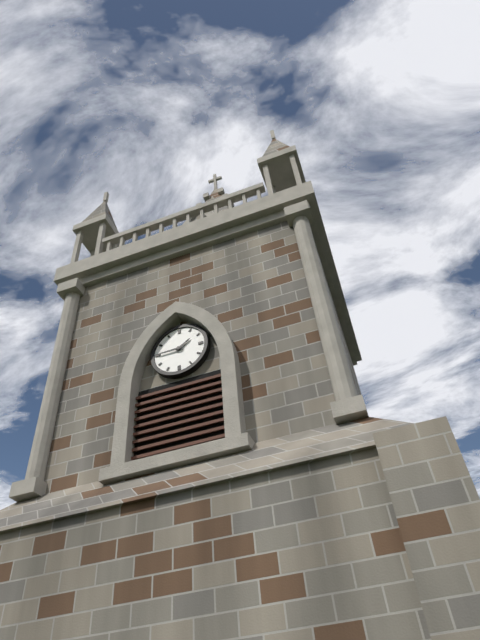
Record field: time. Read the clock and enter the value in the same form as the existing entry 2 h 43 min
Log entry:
1 h 45 min
